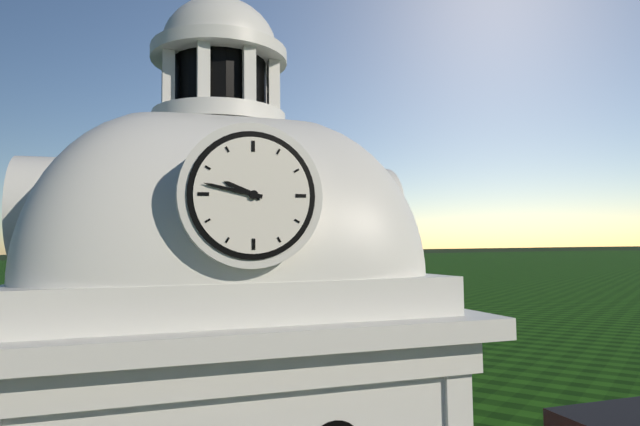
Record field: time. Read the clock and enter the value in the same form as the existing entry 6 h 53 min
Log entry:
9 h 47 min
